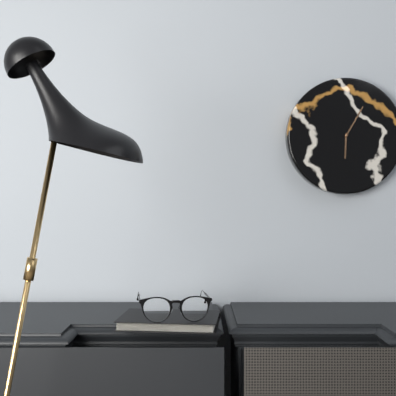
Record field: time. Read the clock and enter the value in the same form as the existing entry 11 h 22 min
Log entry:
6 h 05 min
